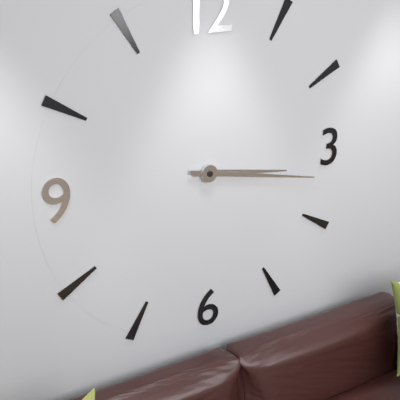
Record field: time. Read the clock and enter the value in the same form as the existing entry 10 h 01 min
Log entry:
3 h 17 min
